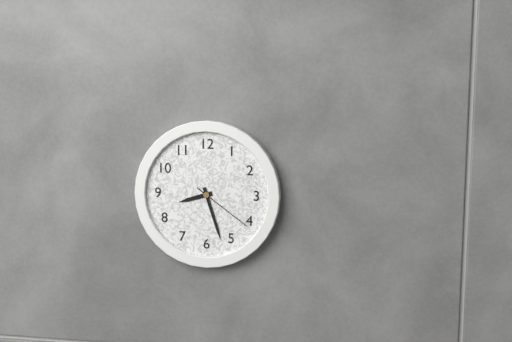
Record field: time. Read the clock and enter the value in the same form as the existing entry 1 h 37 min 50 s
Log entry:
8 h 27 min 21 s
